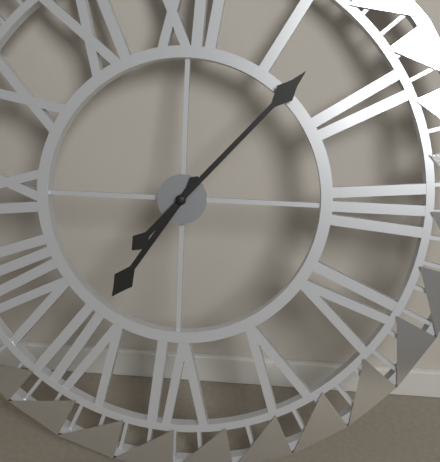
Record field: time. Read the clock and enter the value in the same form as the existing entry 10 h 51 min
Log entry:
7 h 07 min
